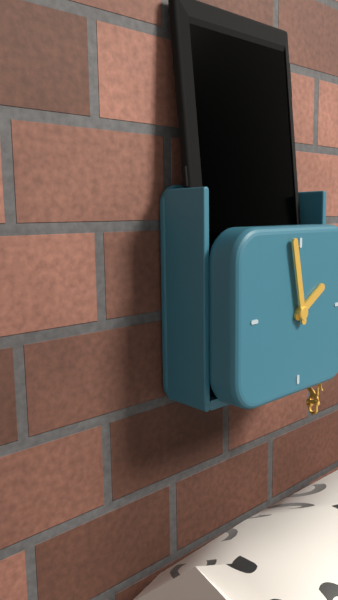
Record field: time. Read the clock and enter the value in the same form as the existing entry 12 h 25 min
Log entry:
1 h 58 min
